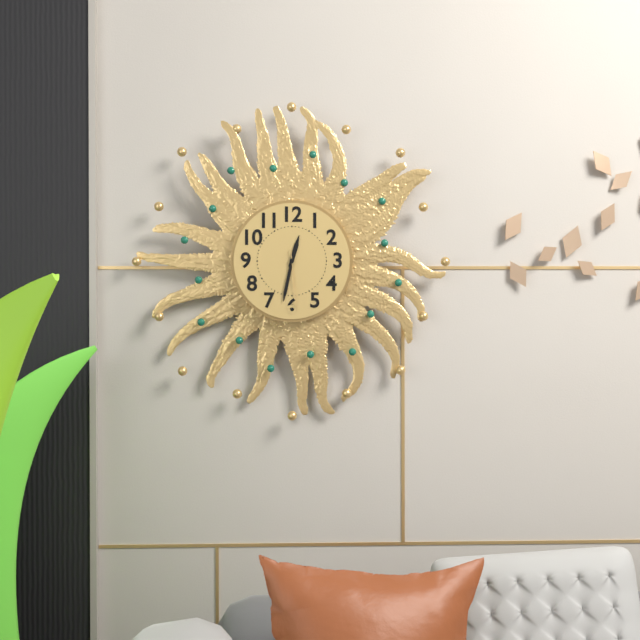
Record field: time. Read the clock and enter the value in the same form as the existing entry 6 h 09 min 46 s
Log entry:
12 h 32 min 29 s
